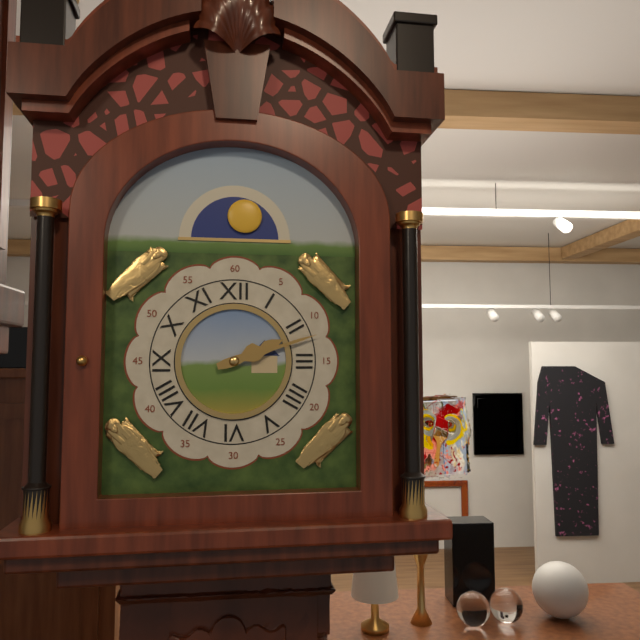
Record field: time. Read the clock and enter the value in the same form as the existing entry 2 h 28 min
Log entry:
2 h 12 min
